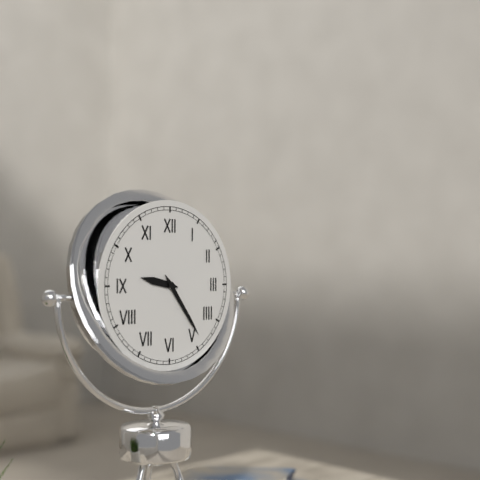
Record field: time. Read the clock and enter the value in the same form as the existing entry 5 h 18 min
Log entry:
9 h 24 min
